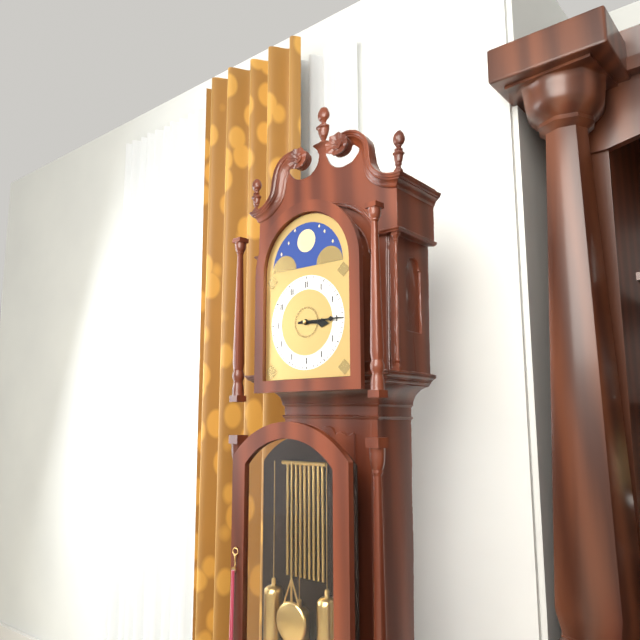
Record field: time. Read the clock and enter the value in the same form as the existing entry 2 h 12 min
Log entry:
3 h 15 min
